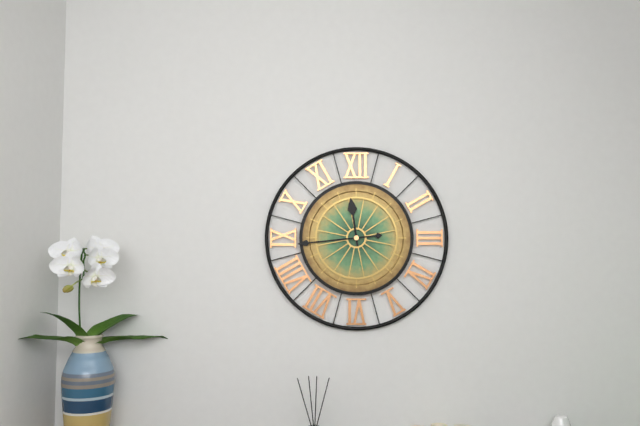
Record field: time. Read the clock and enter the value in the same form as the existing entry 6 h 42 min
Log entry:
11 h 44 min
